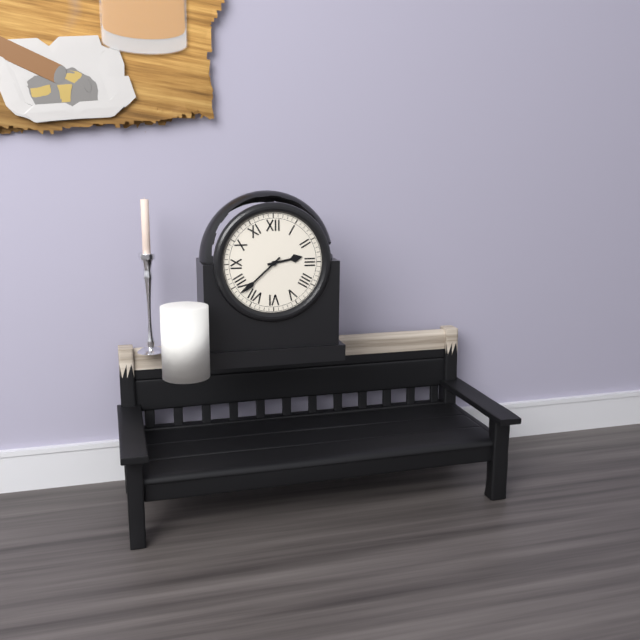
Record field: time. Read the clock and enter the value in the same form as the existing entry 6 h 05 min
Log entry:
2 h 38 min
